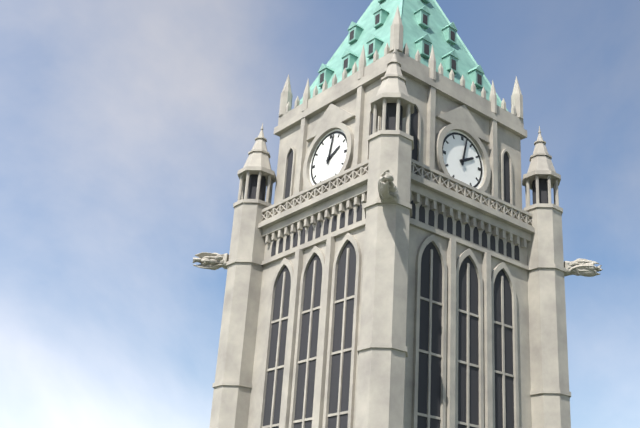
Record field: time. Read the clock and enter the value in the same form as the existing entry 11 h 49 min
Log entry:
2 h 02 min
